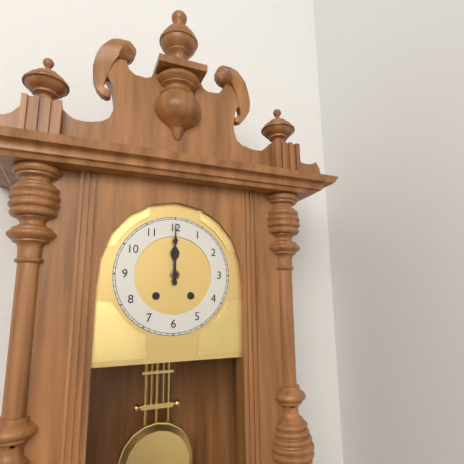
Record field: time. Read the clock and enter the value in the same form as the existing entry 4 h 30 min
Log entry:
12 h 00 min
